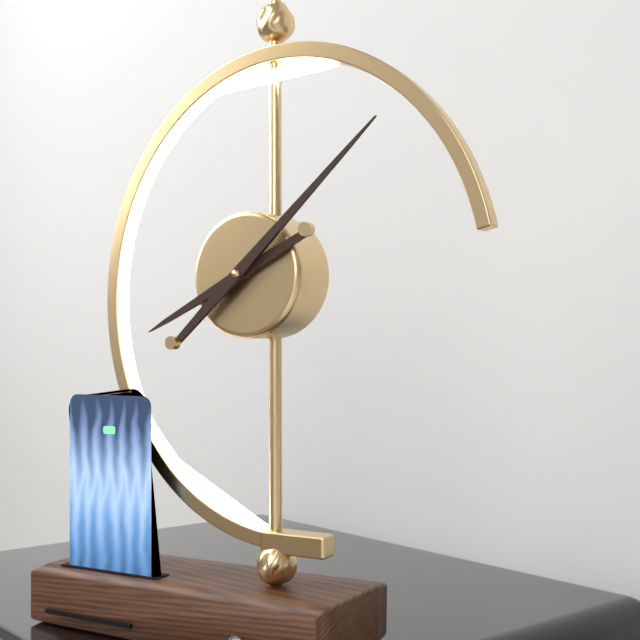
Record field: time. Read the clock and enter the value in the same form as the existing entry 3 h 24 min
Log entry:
8 h 08 min
